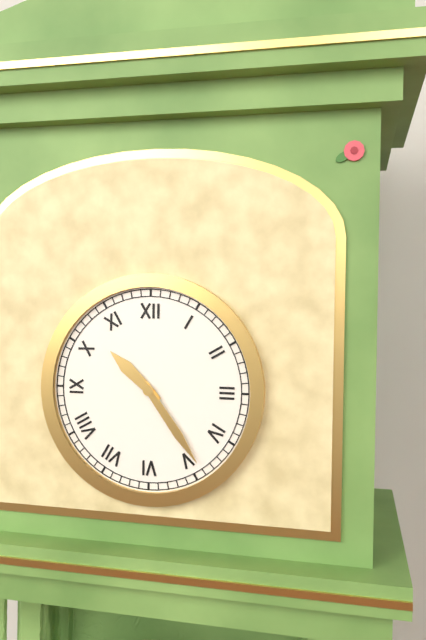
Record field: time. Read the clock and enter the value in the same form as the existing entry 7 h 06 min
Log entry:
10 h 24 min
